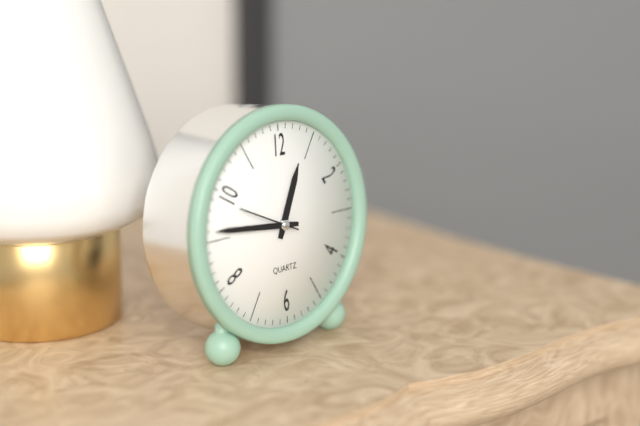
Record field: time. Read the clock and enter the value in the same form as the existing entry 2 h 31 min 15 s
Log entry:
12 h 46 min 49 s
